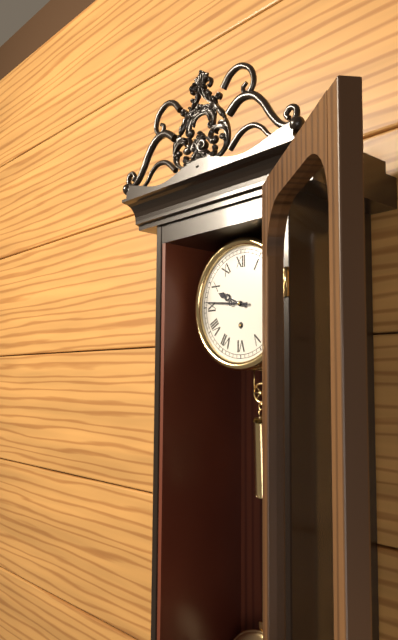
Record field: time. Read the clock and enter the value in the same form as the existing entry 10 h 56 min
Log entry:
9 h 46 min
